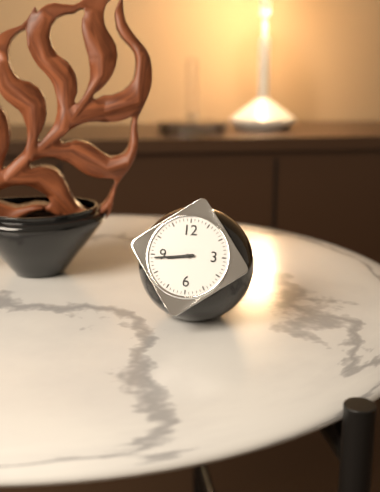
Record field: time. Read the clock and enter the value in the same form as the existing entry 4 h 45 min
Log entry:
8 h 44 min
